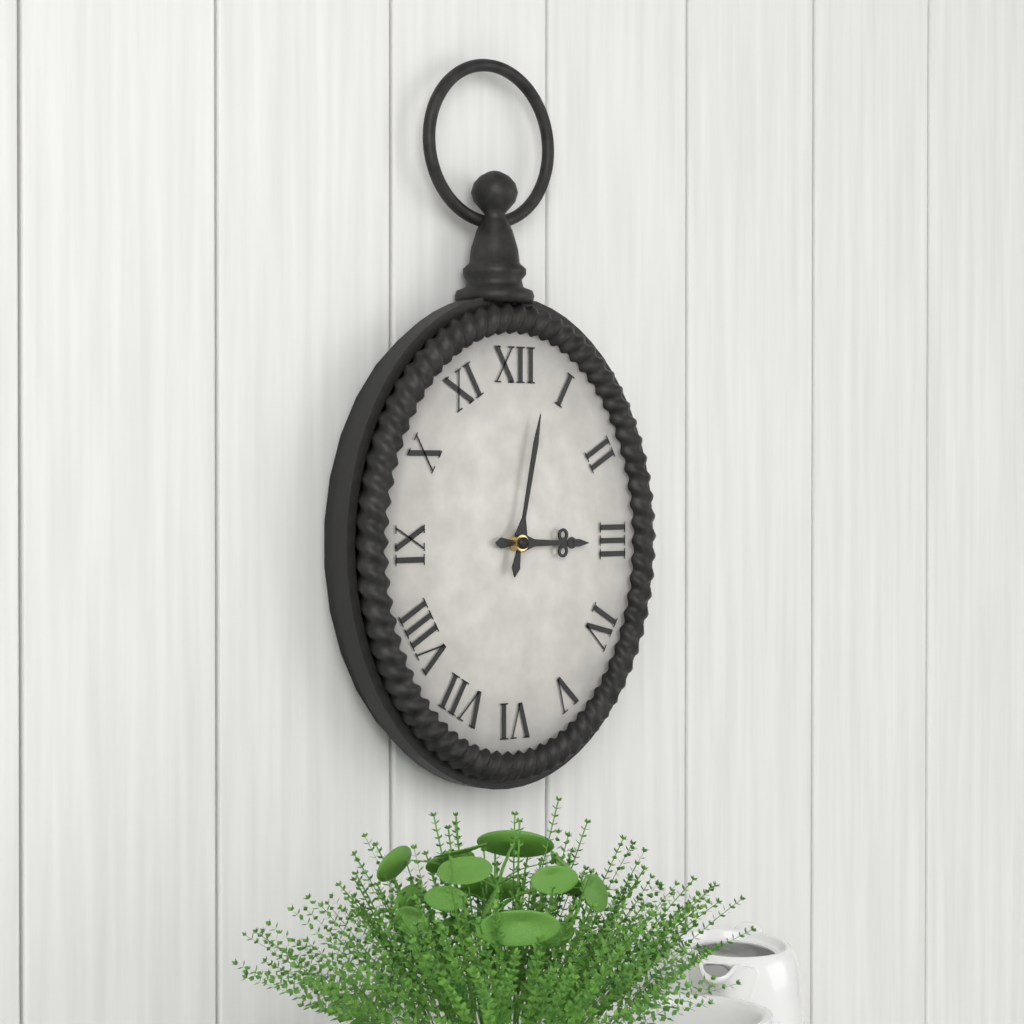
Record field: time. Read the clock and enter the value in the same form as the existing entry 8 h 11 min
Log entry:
3 h 02 min
